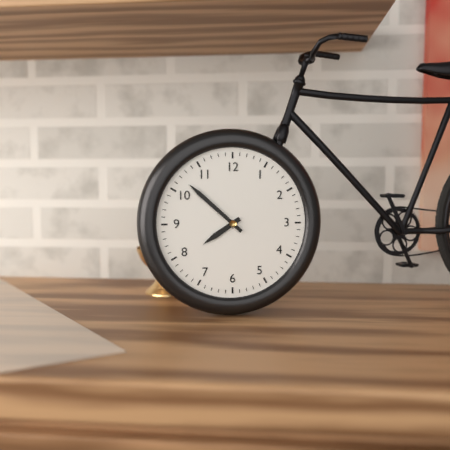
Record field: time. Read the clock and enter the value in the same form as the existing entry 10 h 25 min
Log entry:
7 h 52 min
